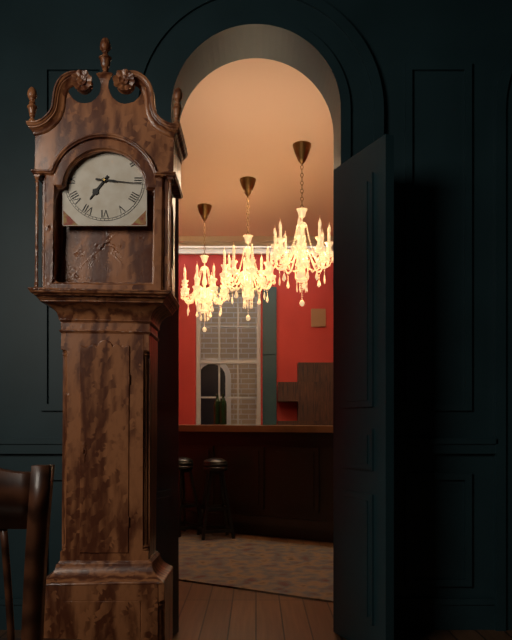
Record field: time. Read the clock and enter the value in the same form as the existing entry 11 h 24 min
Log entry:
7 h 16 min
